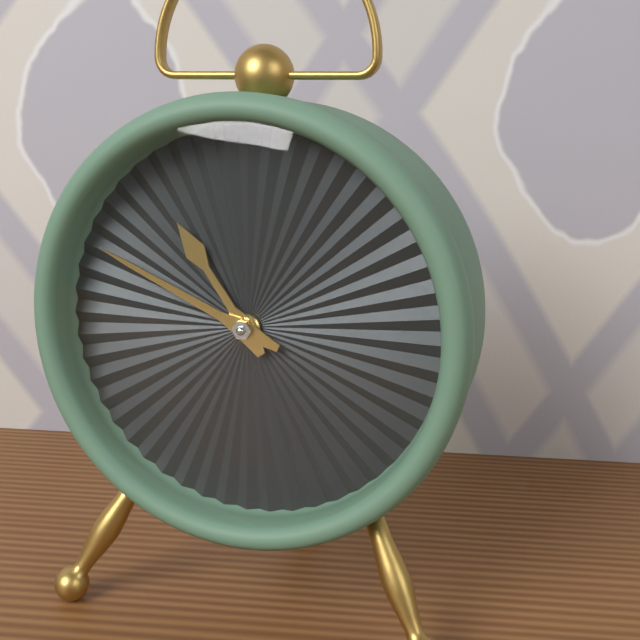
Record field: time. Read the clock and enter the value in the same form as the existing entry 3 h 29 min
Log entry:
10 h 49 min
